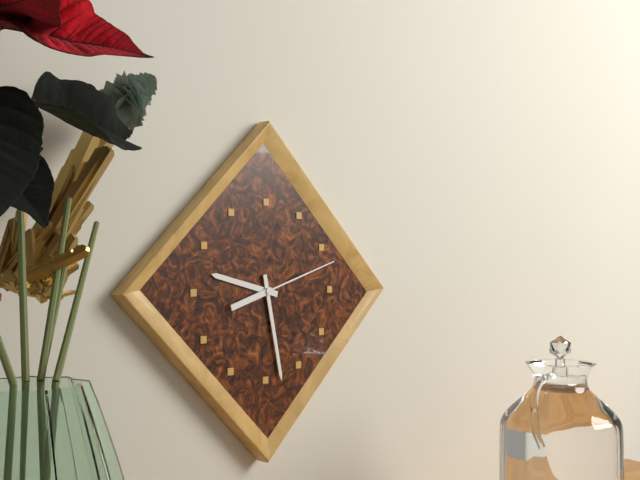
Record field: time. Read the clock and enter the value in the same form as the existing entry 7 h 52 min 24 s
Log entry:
9 h 28 min 12 s
